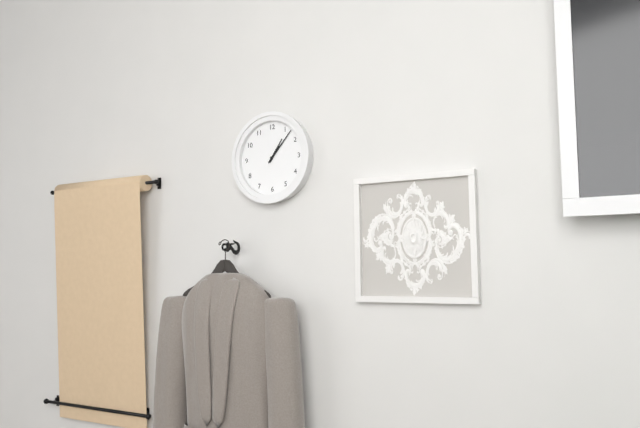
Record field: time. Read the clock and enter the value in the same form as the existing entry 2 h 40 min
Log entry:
1 h 07 min
